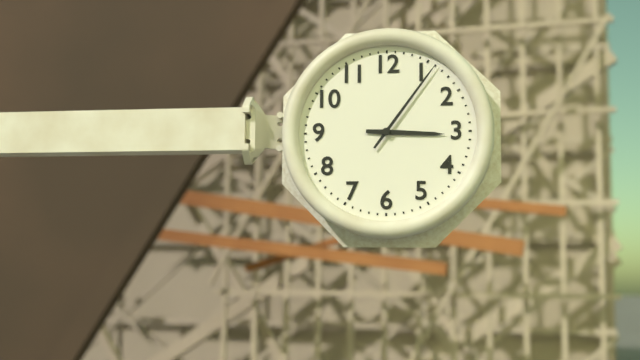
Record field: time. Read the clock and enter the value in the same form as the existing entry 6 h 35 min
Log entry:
3 h 06 min
